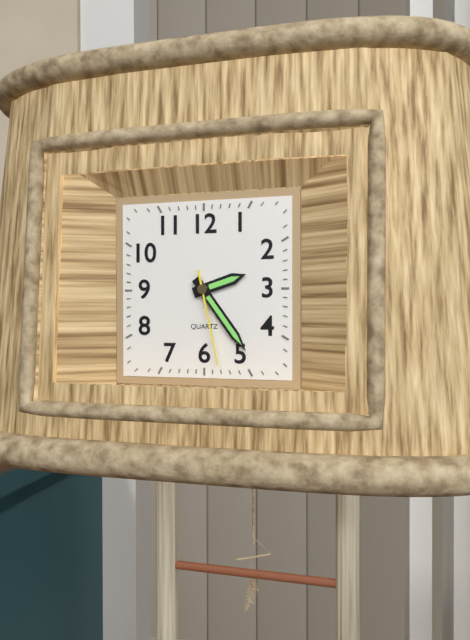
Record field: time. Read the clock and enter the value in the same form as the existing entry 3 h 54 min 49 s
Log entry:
2 h 24 min 28 s
